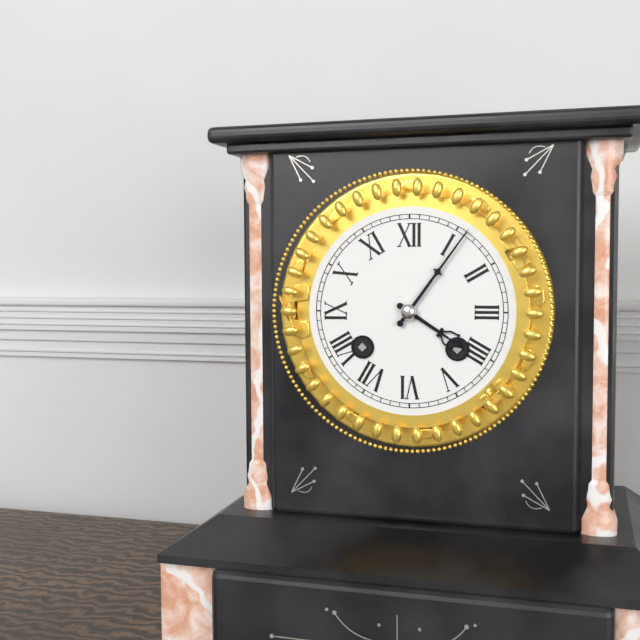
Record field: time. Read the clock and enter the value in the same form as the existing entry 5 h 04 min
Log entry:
4 h 06 min
